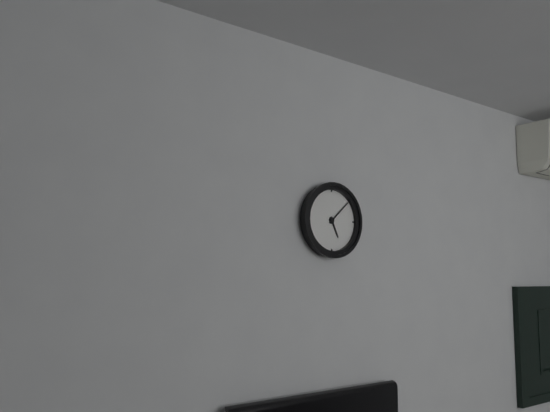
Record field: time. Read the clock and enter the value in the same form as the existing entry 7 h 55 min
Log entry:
5 h 08 min
